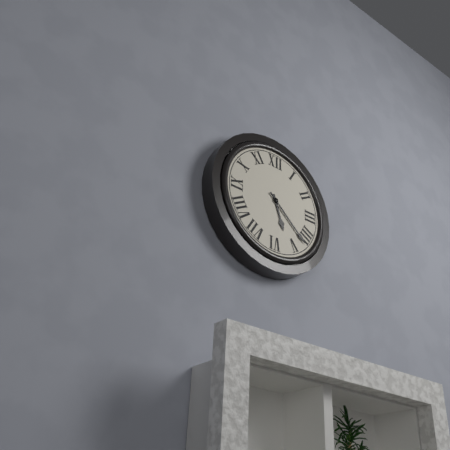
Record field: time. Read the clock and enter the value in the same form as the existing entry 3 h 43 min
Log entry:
5 h 22 min
